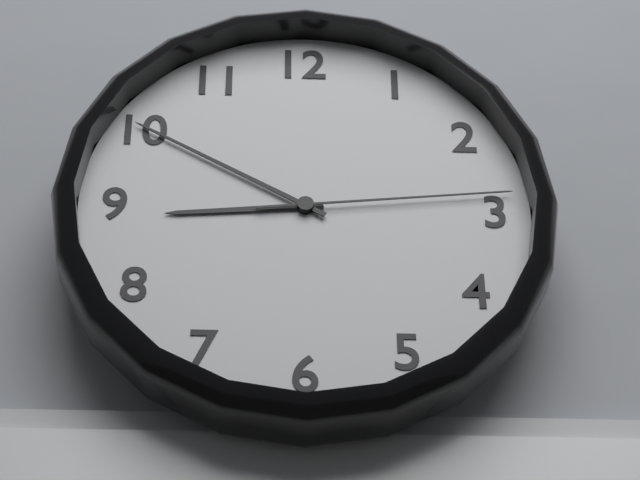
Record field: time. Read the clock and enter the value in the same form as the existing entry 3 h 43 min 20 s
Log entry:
8 h 50 min 14 s
